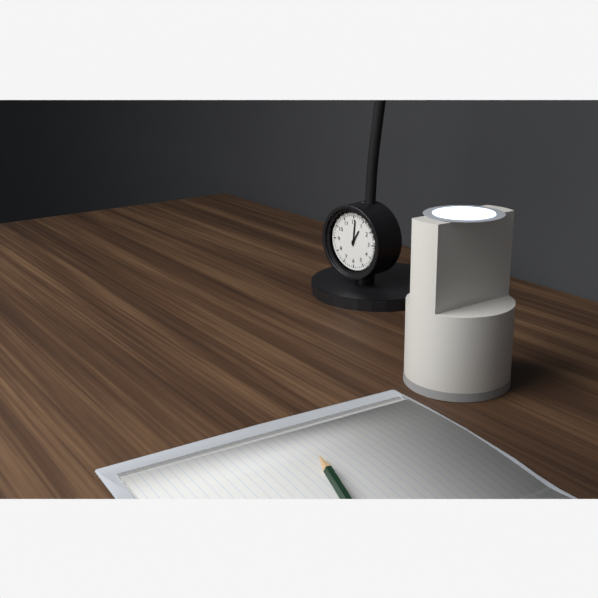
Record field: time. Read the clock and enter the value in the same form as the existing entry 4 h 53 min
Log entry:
1 h 01 min
